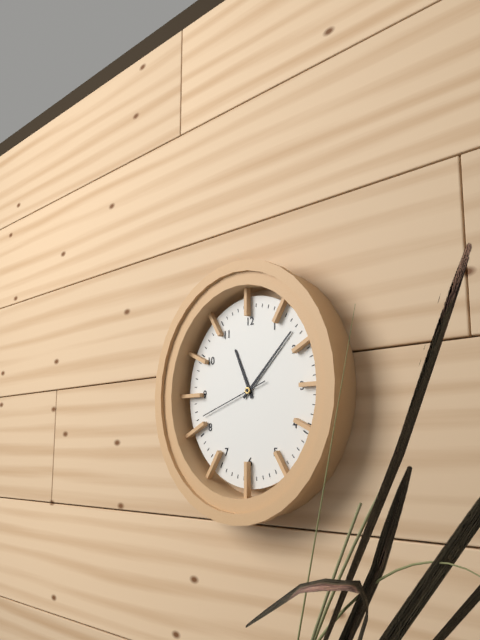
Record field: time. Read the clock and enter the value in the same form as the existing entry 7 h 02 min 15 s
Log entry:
11 h 08 min 42 s
